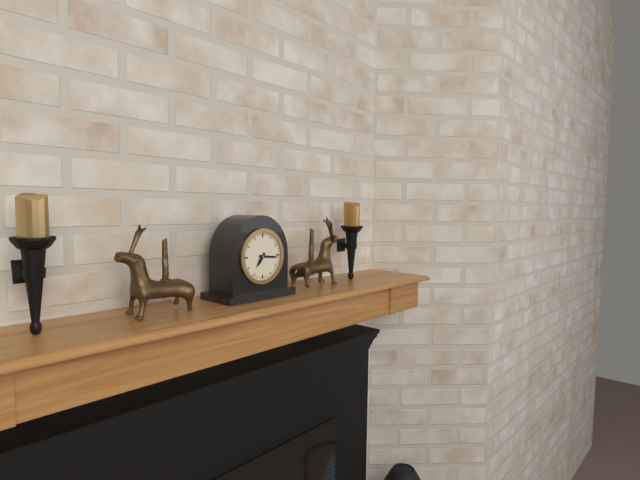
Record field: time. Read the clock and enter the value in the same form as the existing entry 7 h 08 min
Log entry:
7 h 16 min
